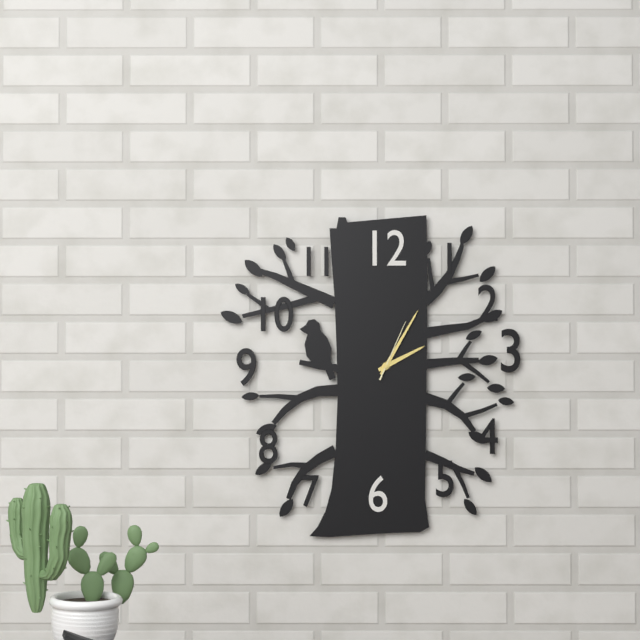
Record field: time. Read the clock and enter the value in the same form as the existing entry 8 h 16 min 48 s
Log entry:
2 h 05 min 04 s
